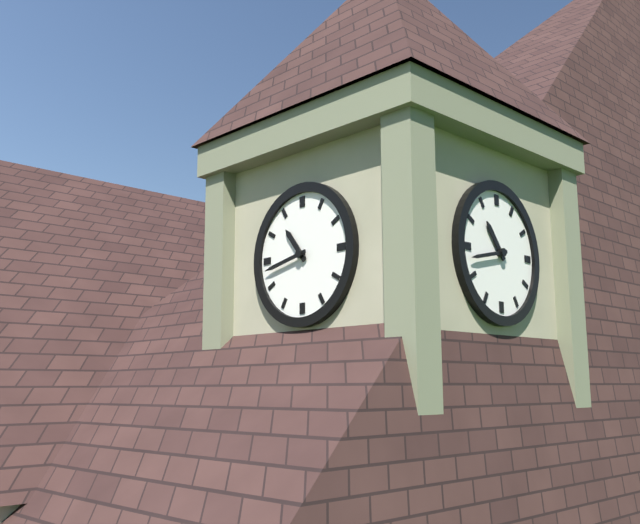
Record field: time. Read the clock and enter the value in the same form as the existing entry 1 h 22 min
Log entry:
10 h 43 min
